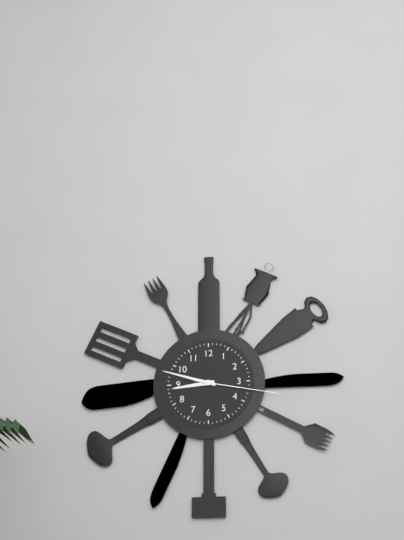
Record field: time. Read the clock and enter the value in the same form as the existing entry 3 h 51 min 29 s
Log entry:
8 h 48 min 17 s
